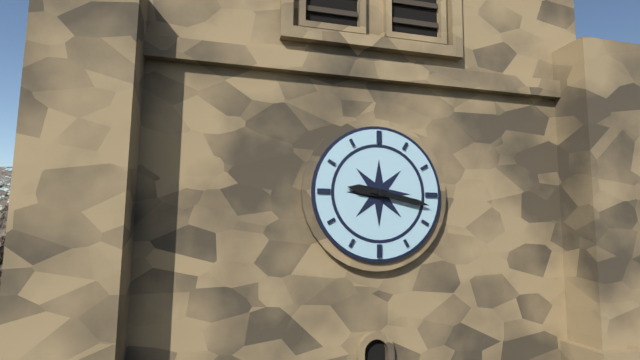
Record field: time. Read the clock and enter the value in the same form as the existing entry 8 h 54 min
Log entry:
9 h 17 min
